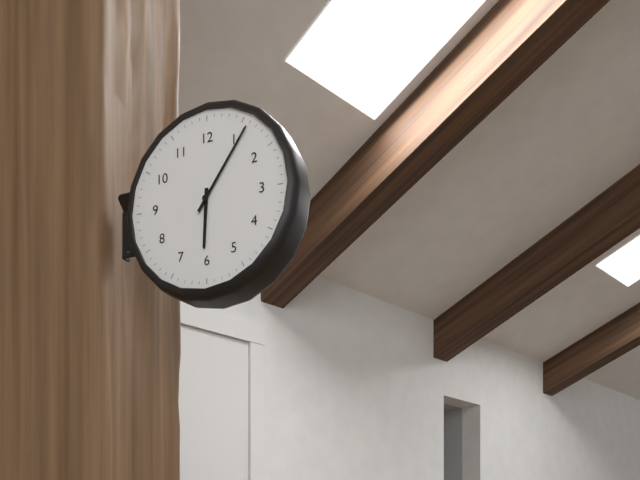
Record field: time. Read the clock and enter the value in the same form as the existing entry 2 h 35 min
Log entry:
6 h 06 min
